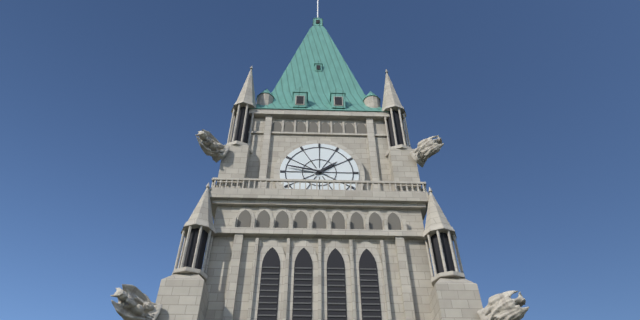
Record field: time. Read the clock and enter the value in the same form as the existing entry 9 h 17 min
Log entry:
1 h 47 min
